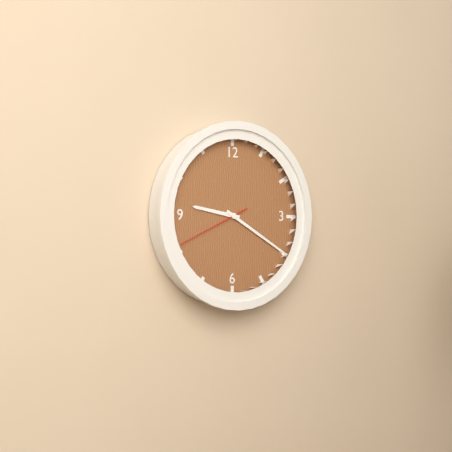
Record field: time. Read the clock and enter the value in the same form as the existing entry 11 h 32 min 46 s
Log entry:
9 h 20 min 41 s
